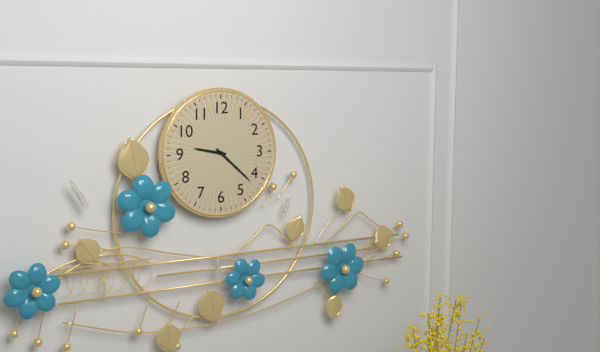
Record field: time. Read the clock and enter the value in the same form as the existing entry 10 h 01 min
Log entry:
9 h 22 min
